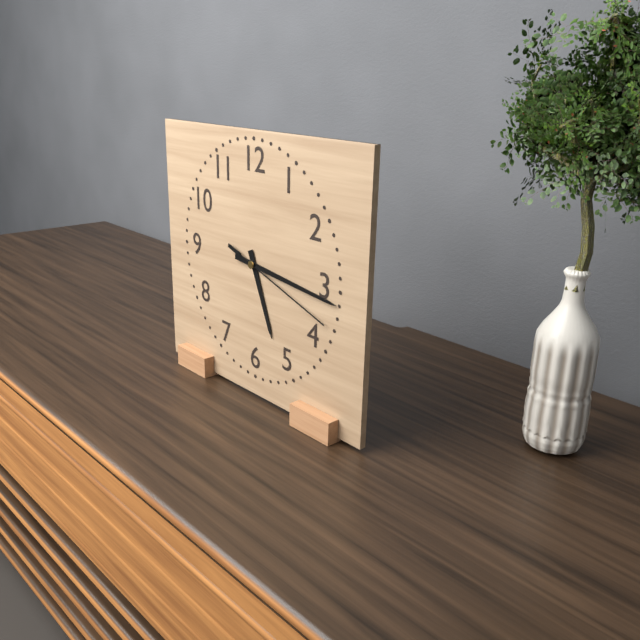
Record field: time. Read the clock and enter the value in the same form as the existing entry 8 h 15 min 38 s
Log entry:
5 h 16 min 18 s
